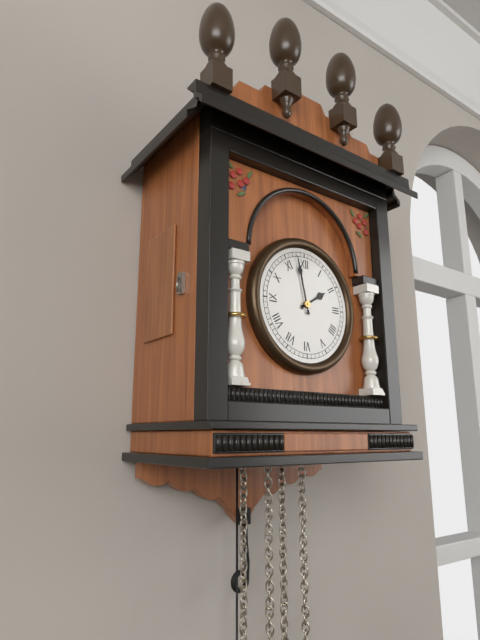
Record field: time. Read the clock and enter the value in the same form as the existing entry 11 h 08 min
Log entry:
1 h 58 min
